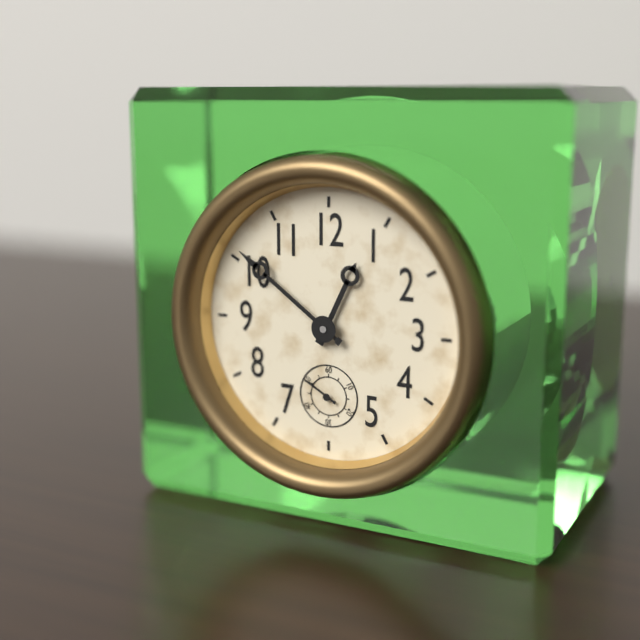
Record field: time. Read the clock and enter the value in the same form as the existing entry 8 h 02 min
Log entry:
12 h 51 min
